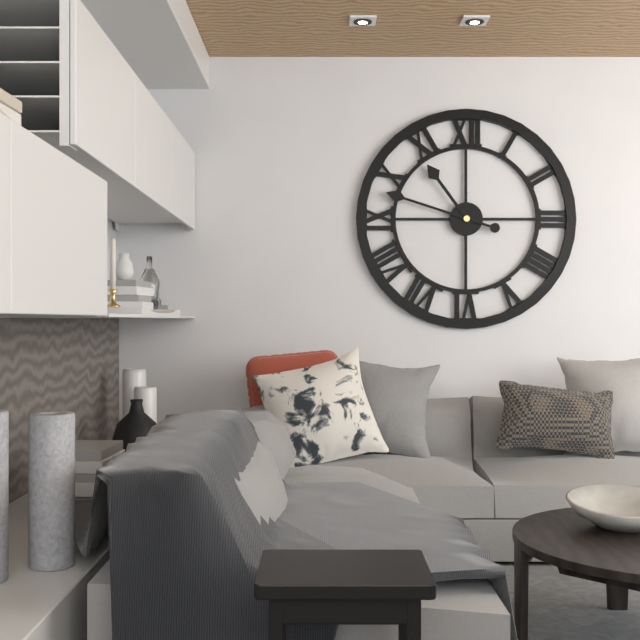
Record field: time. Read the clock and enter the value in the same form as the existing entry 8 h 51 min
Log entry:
10 h 48 min
